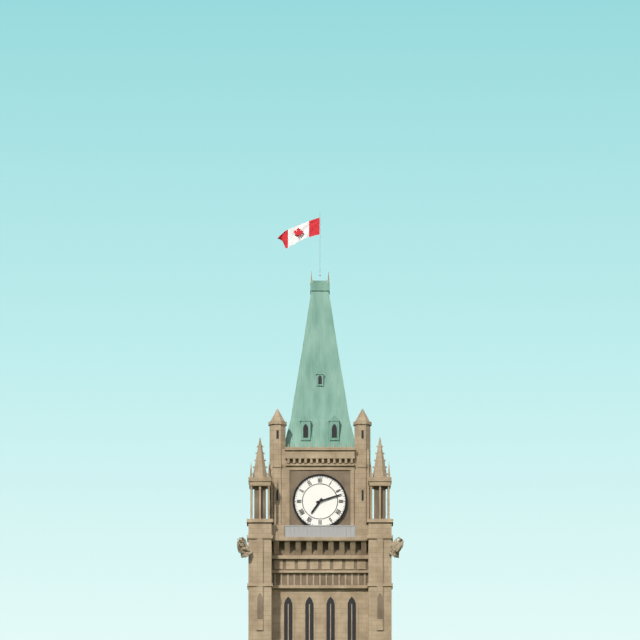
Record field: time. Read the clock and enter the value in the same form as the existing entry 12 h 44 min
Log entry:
7 h 12 min
